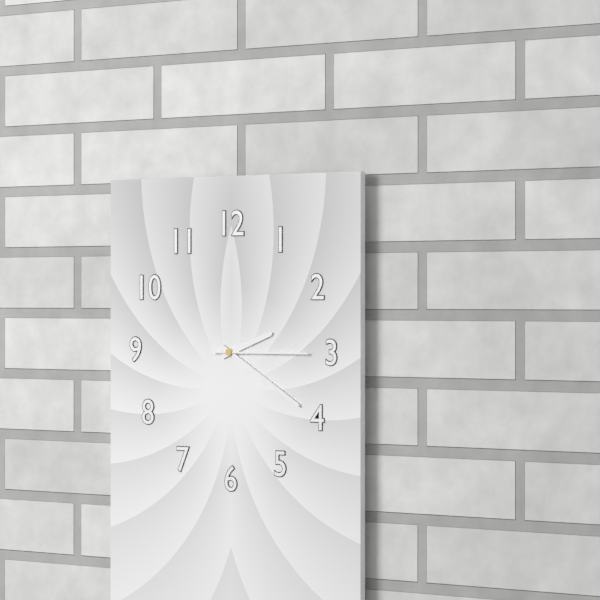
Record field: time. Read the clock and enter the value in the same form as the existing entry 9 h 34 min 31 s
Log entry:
2 h 20 min 15 s
